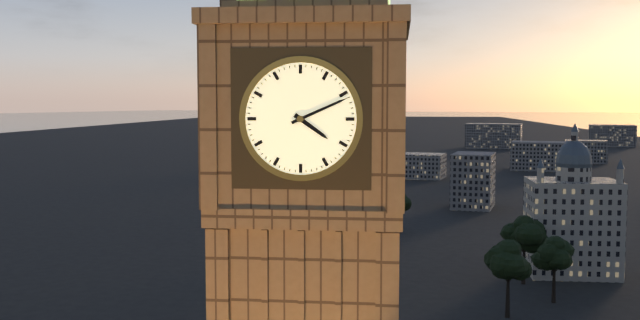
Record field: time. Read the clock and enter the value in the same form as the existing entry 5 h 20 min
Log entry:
4 h 11 min
